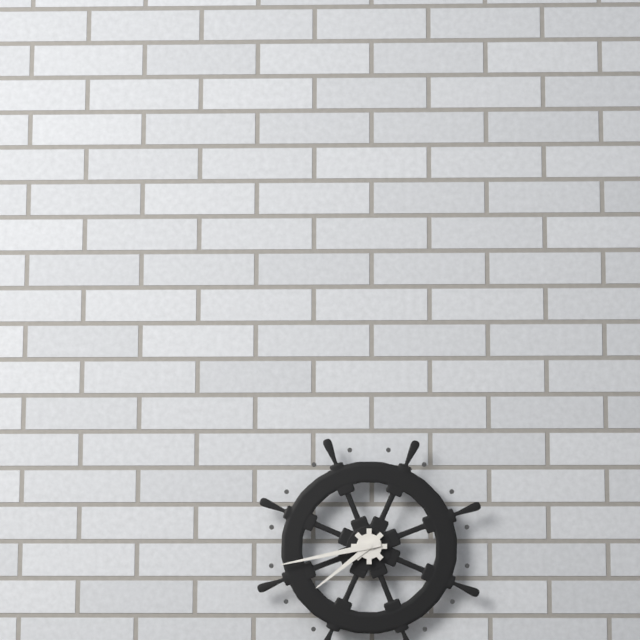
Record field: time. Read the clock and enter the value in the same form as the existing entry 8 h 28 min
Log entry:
7 h 43 min
